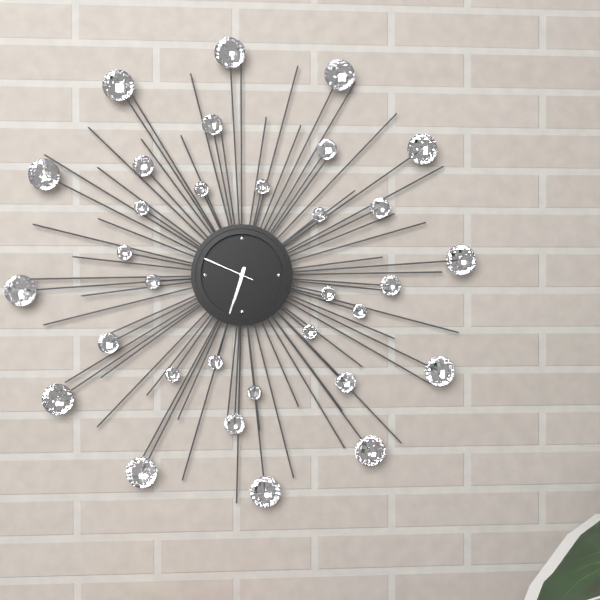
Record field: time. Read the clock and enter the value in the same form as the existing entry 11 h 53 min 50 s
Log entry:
6 h 33 min 49 s
